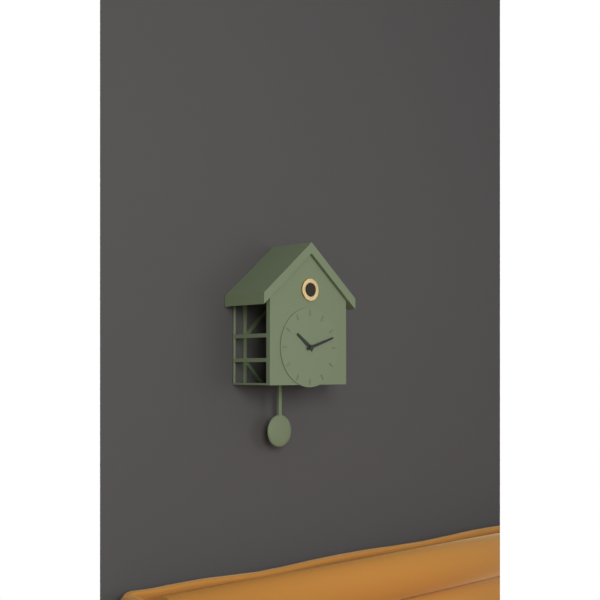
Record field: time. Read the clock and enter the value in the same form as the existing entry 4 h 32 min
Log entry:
10 h 12 min
